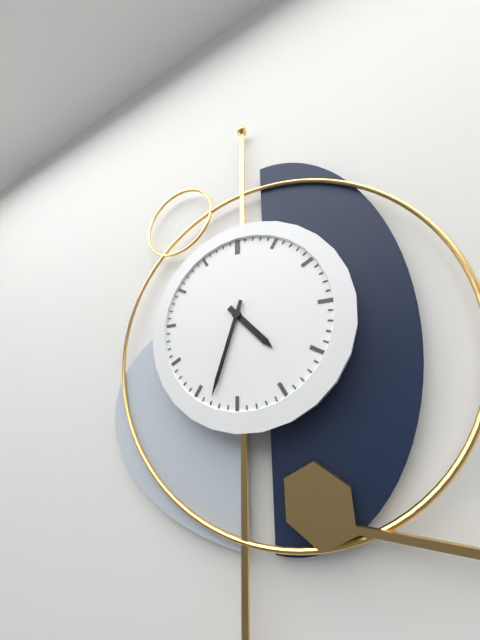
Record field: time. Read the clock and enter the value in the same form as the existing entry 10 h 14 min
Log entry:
4 h 33 min
